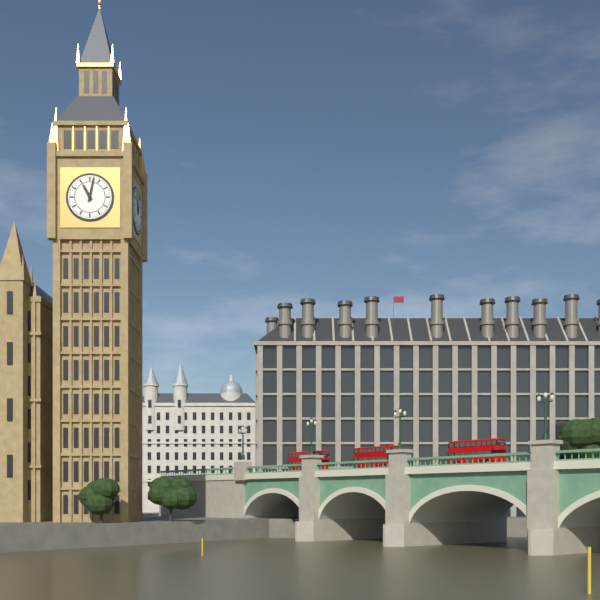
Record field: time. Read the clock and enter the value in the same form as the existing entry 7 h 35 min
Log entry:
11 h 02 min
